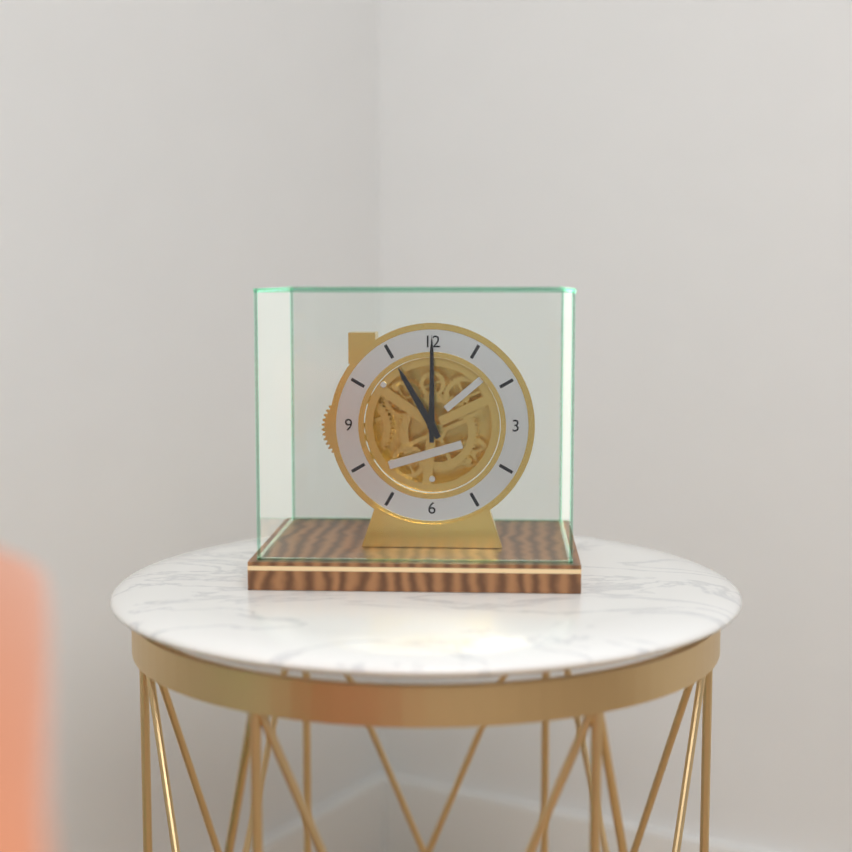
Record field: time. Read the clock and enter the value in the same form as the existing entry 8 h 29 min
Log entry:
11 h 00 min
